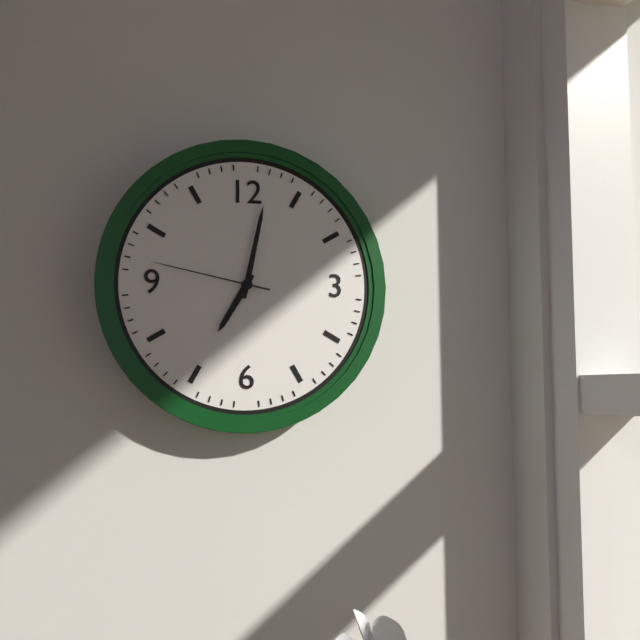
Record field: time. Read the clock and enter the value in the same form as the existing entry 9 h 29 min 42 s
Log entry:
7 h 02 min 47 s
